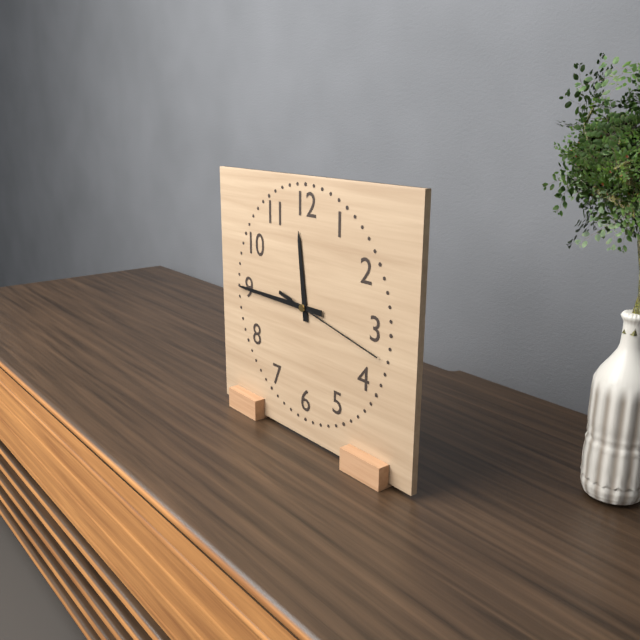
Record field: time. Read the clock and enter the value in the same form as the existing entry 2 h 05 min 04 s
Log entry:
11 h 45 min 17 s
